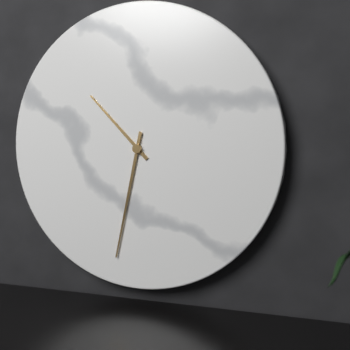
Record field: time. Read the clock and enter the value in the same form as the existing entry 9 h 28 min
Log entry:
10 h 32 min
